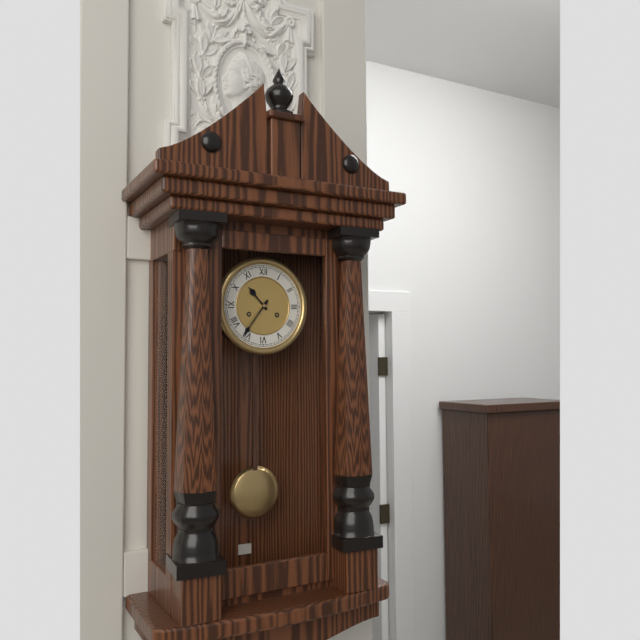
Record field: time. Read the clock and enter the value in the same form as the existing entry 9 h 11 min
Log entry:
10 h 36 min
